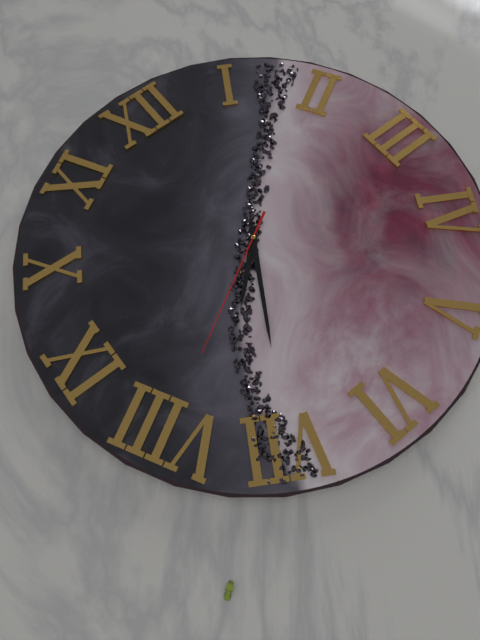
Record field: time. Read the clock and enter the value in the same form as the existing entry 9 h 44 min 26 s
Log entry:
7 h 35 min 40 s
